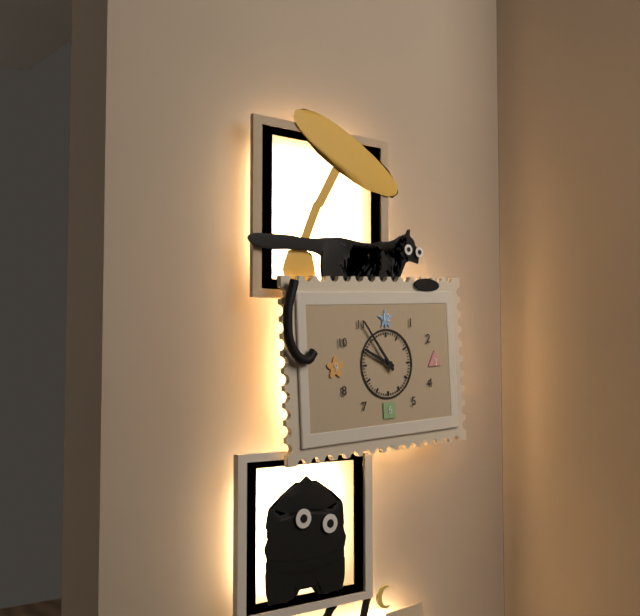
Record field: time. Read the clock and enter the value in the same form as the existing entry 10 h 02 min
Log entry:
9 h 54 min
